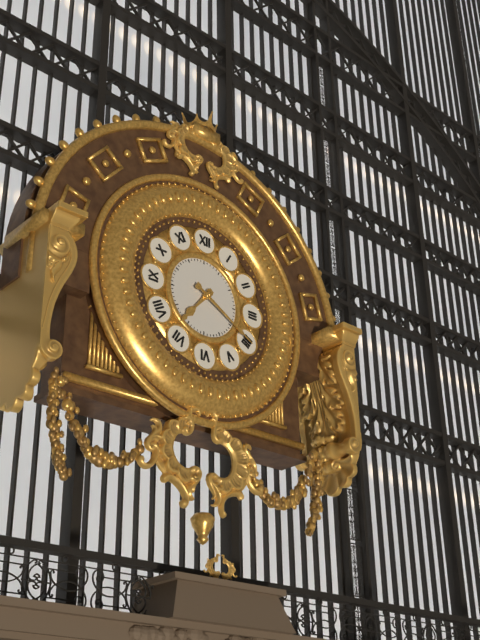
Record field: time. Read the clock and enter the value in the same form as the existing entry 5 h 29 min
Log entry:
7 h 20 min
